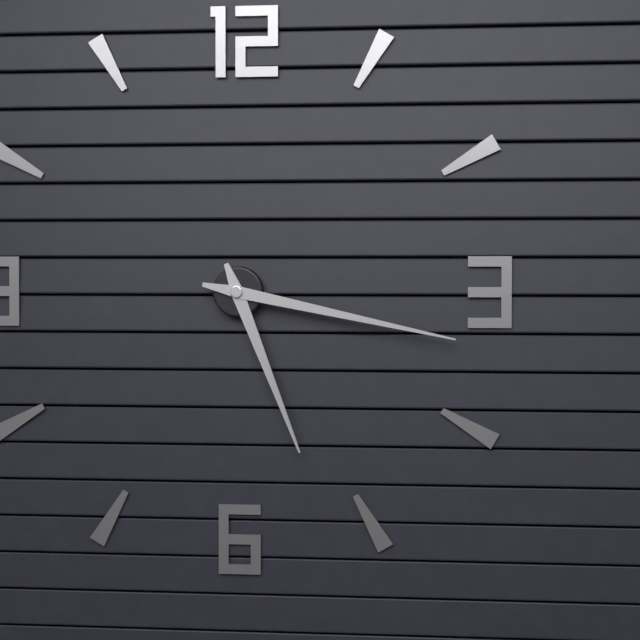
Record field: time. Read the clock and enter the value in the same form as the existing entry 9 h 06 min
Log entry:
5 h 17 min
